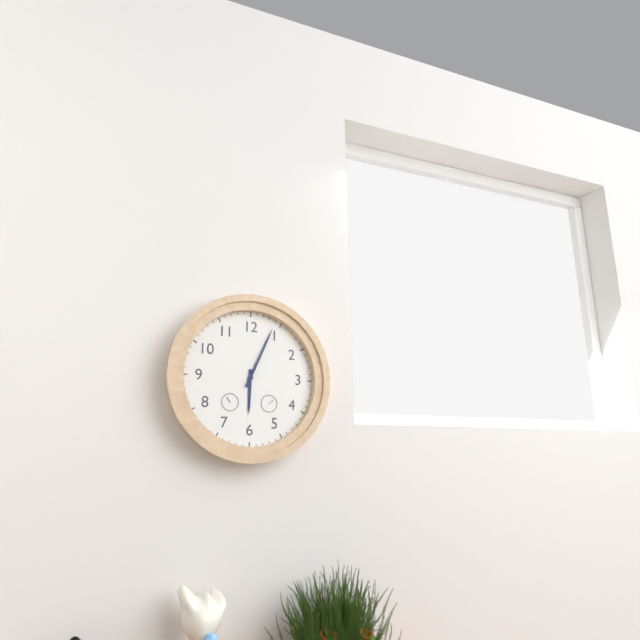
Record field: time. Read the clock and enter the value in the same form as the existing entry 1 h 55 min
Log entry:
6 h 04 min
